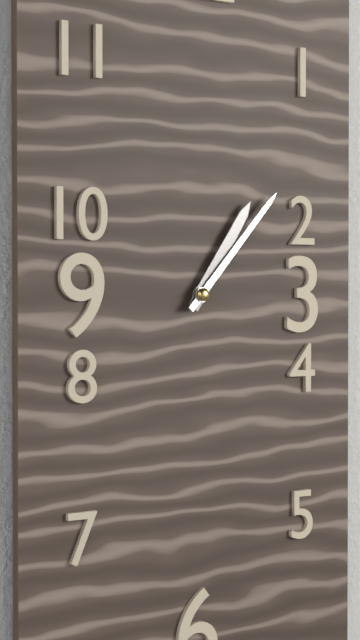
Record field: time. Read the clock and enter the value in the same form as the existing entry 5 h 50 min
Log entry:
1 h 07 min
